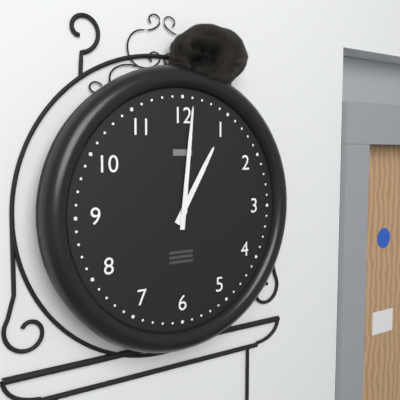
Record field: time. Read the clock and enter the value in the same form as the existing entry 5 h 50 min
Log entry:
1 h 01 min
